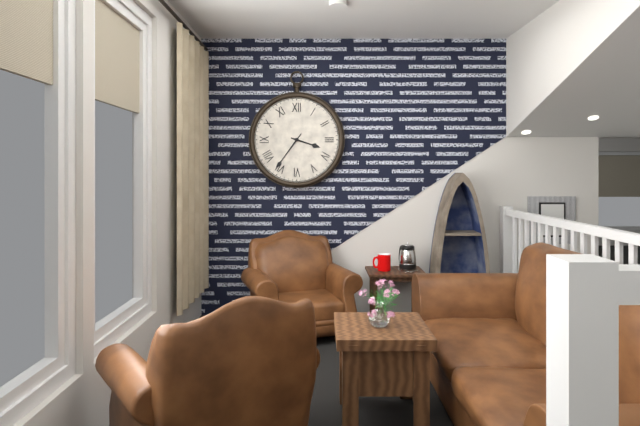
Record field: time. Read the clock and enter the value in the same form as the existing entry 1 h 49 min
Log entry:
3 h 36 min
